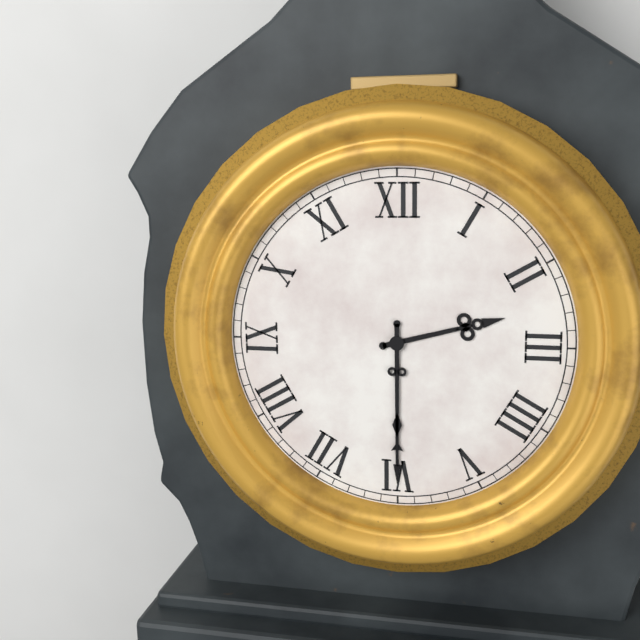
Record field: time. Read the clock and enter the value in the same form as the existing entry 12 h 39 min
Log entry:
2 h 30 min
